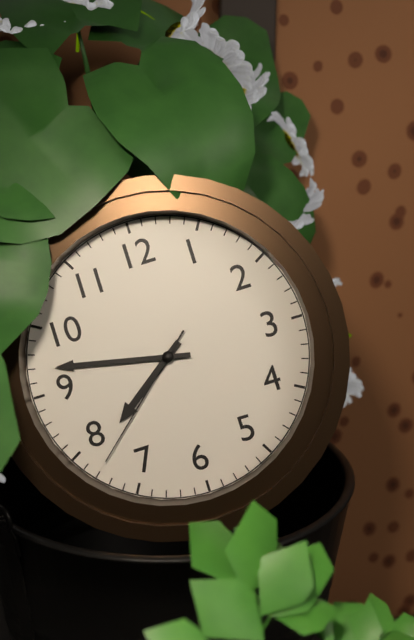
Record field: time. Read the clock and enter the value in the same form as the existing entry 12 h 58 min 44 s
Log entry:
7 h 47 min 38 s
